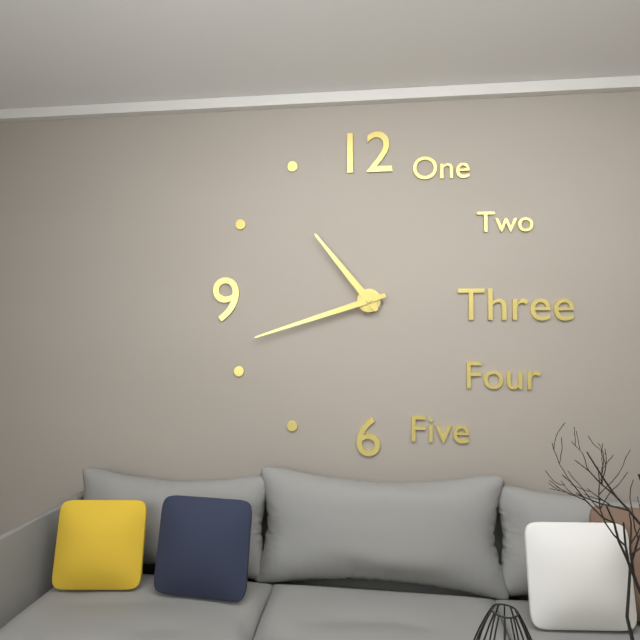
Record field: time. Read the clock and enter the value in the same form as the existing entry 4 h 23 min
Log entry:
10 h 42 min
